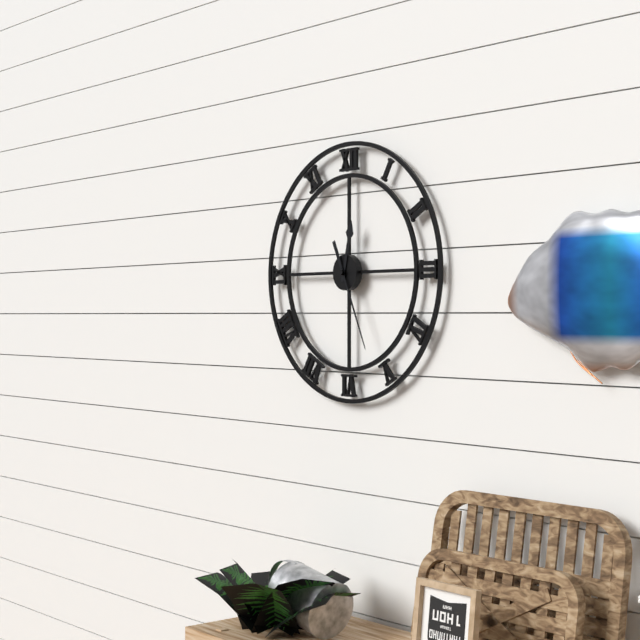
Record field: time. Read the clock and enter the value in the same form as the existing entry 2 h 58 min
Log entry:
12 h 26 min
